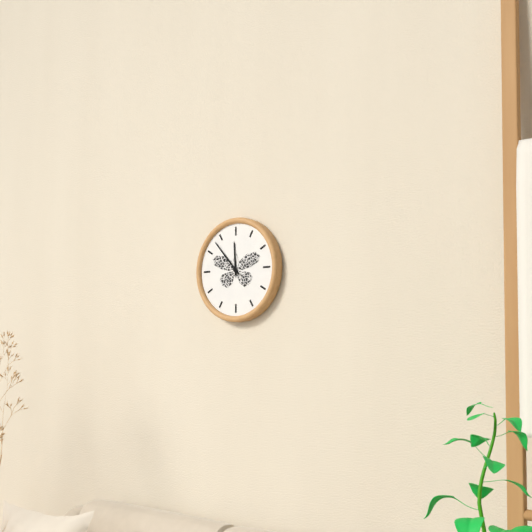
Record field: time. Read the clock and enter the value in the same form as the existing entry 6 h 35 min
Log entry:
11 h 53 min
